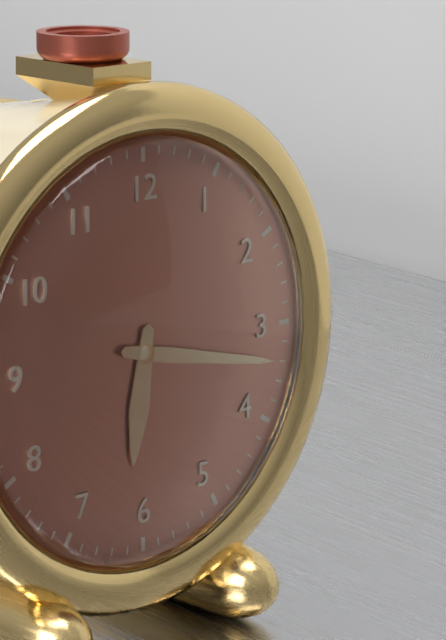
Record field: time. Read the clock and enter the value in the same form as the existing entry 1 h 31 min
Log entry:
6 h 17 min
